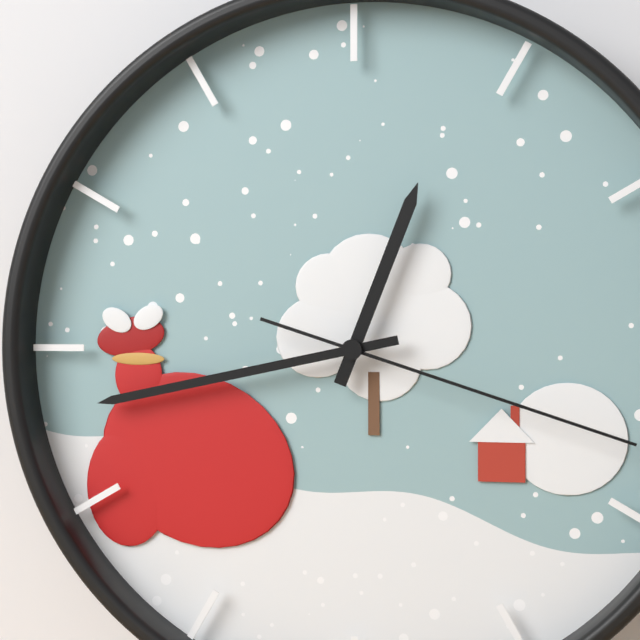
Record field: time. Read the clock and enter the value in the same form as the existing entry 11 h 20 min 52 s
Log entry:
12 h 43 min 18 s
